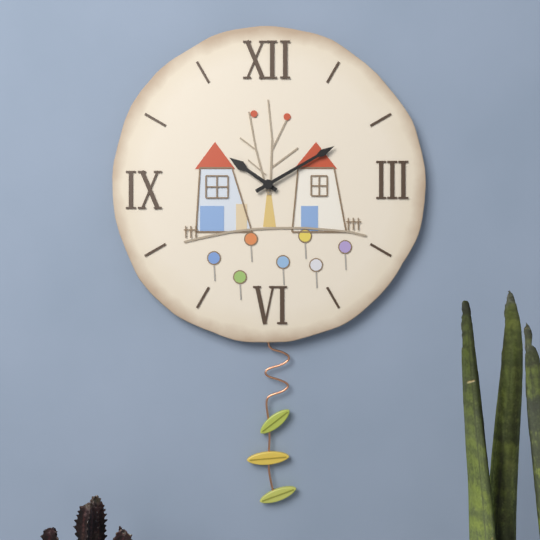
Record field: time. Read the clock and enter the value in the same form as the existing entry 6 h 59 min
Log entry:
10 h 10 min
